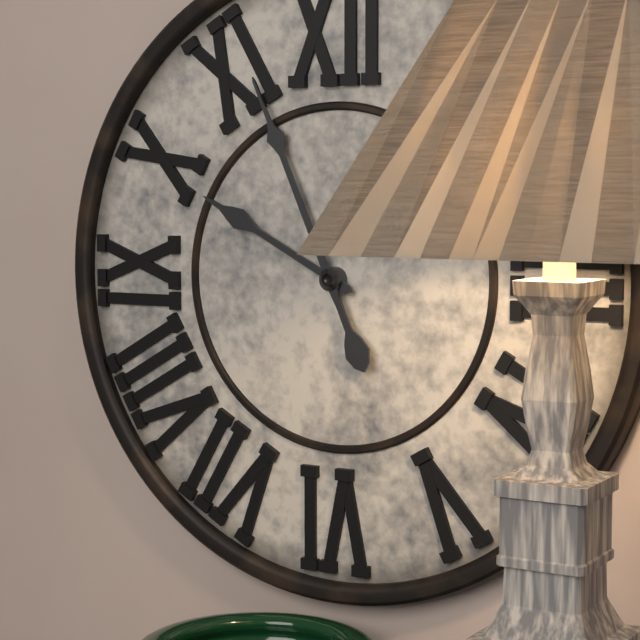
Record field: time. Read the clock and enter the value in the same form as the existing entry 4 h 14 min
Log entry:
9 h 56 min
